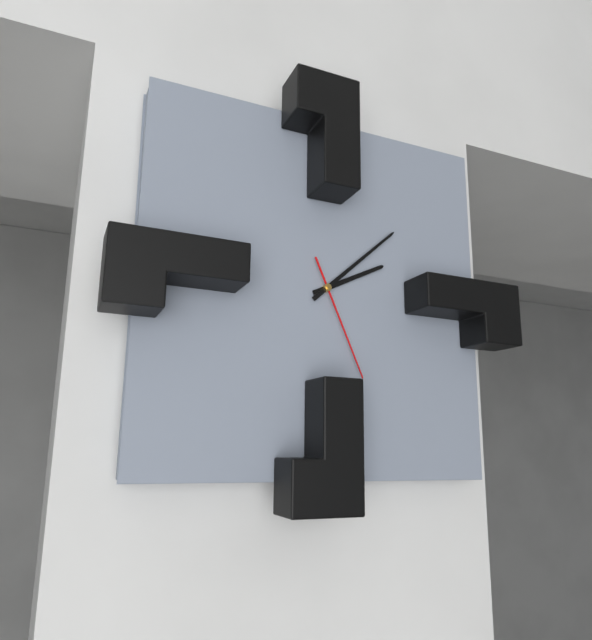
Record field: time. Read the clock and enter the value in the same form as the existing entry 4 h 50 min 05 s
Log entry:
2 h 08 min 26 s
